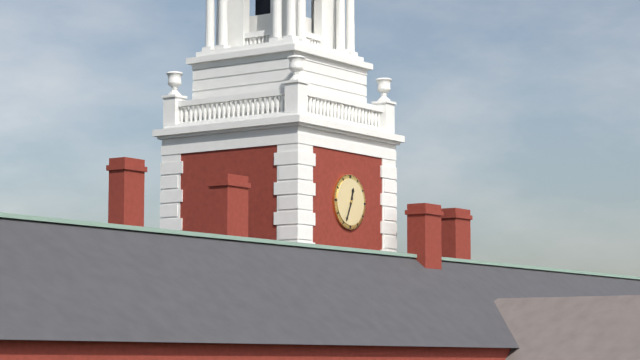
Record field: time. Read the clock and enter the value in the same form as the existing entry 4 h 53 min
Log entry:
12 h 34 min
